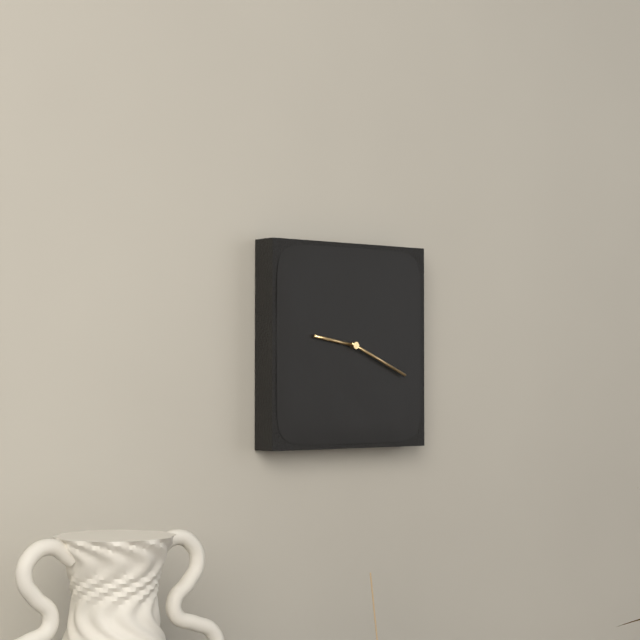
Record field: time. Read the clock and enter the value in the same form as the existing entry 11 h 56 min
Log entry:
9 h 19 min
